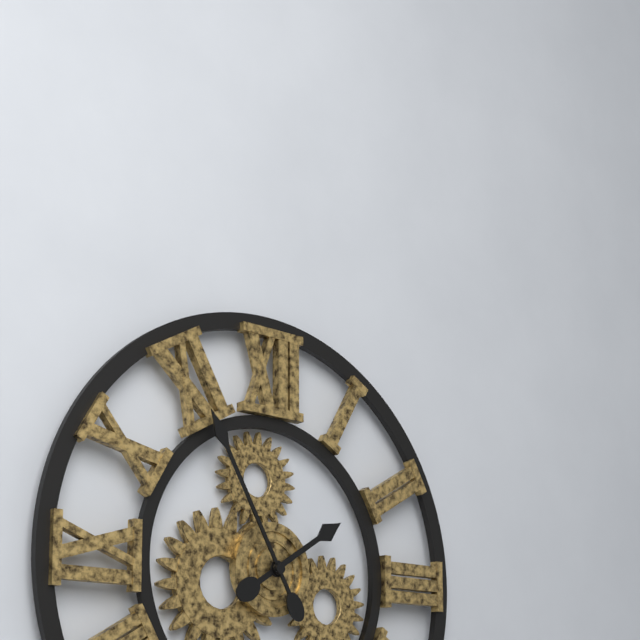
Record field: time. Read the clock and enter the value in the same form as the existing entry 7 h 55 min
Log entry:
1 h 55 min
